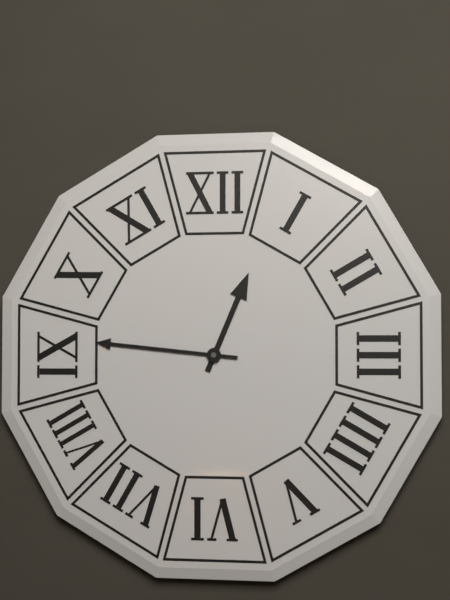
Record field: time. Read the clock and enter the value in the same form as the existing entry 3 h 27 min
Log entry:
12 h 46 min
